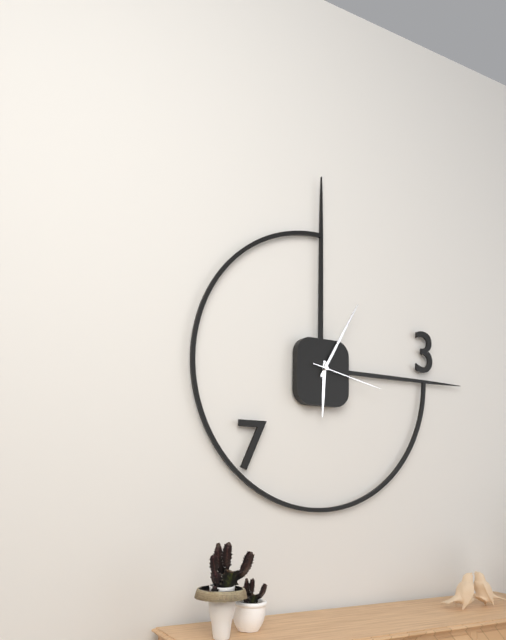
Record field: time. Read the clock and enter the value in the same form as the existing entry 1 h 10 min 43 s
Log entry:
6 h 05 min 17 s
